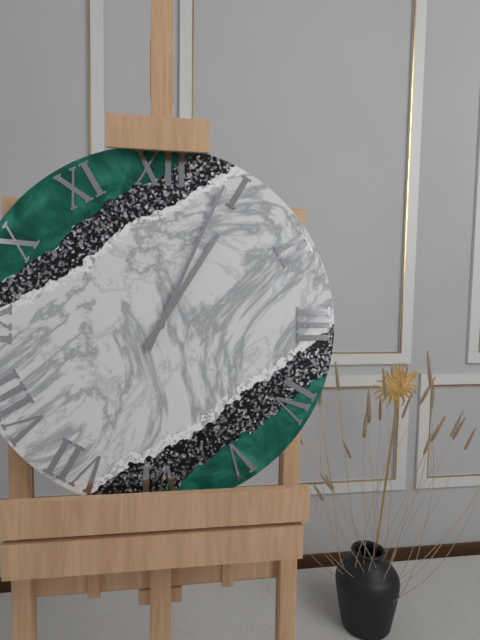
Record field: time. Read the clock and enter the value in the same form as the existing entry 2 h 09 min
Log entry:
1 h 04 min
